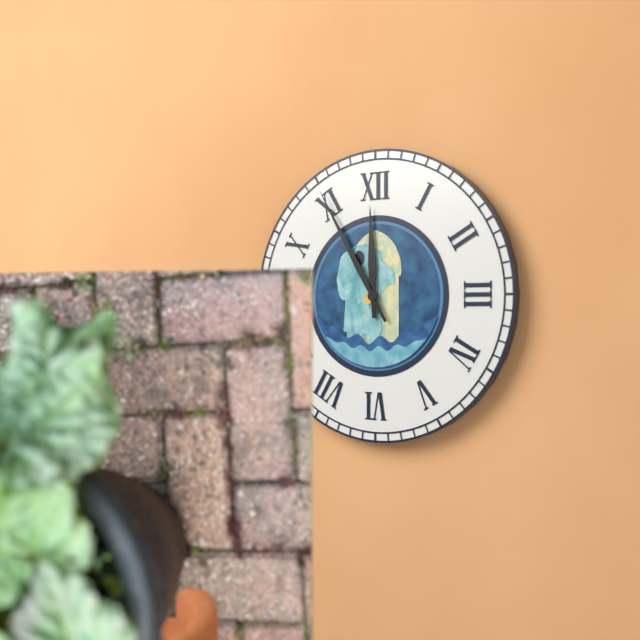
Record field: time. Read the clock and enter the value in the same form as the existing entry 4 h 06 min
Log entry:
11 h 55 min
